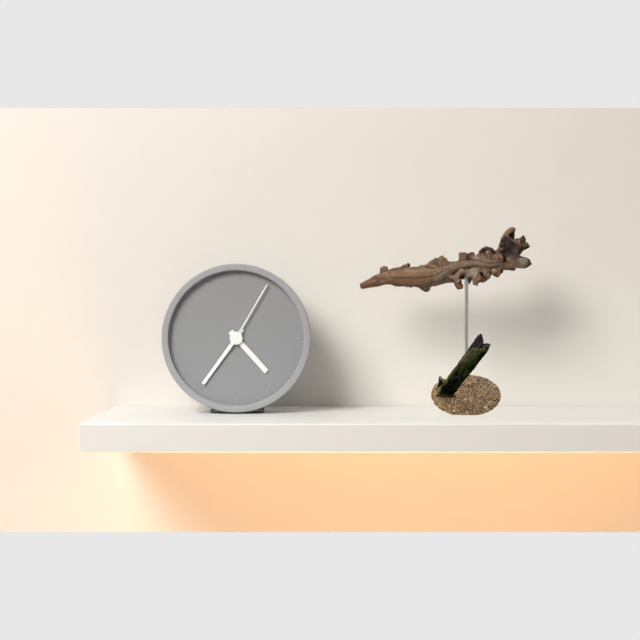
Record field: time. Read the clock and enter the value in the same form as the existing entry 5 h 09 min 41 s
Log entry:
4 h 36 min 05 s
